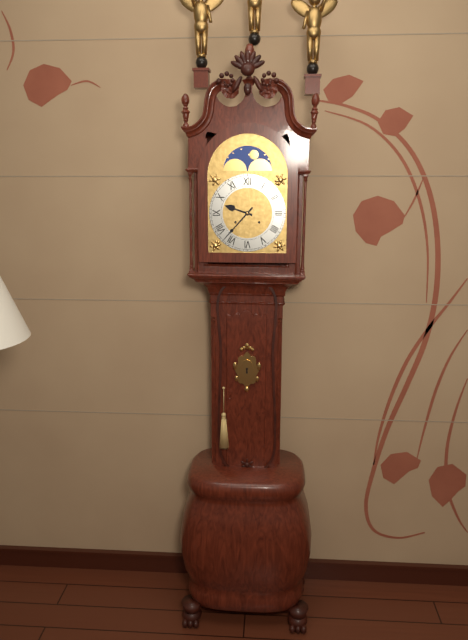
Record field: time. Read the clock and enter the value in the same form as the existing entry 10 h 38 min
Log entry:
9 h 37 min
